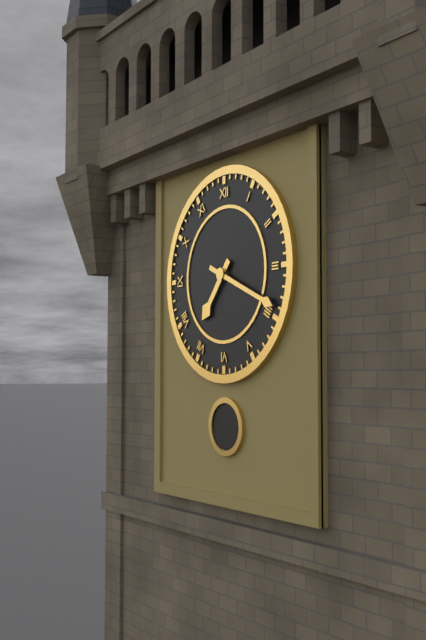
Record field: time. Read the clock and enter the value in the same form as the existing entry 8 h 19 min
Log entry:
7 h 19 min
